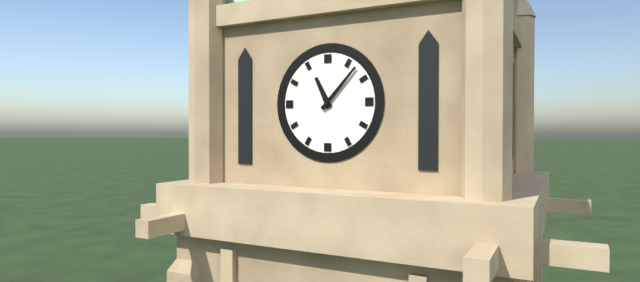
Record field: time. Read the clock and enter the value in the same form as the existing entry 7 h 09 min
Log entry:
11 h 07 min
